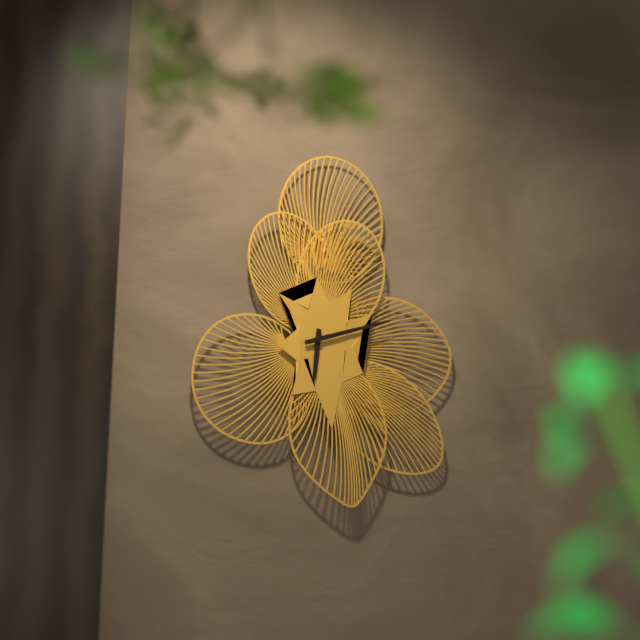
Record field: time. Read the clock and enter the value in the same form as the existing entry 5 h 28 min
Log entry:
6 h 12 min
